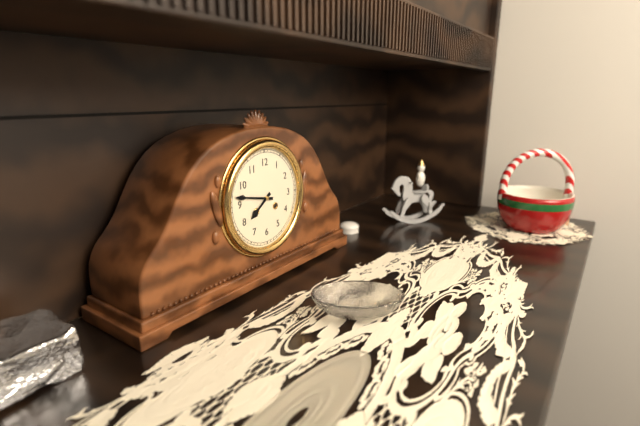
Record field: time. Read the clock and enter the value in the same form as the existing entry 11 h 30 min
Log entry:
7 h 47 min
